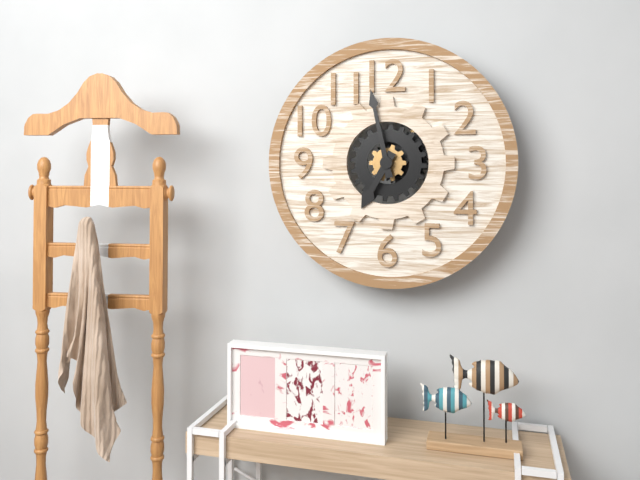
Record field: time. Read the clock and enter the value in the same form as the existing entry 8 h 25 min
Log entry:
6 h 58 min
